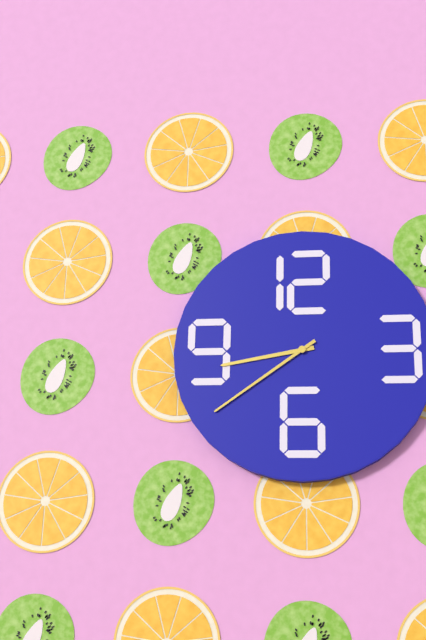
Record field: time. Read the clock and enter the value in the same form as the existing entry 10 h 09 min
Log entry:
8 h 39 min
